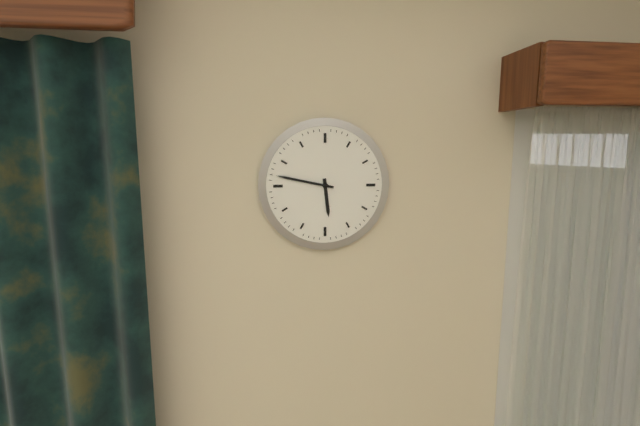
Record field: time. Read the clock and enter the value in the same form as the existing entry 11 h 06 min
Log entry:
5 h 47 min
